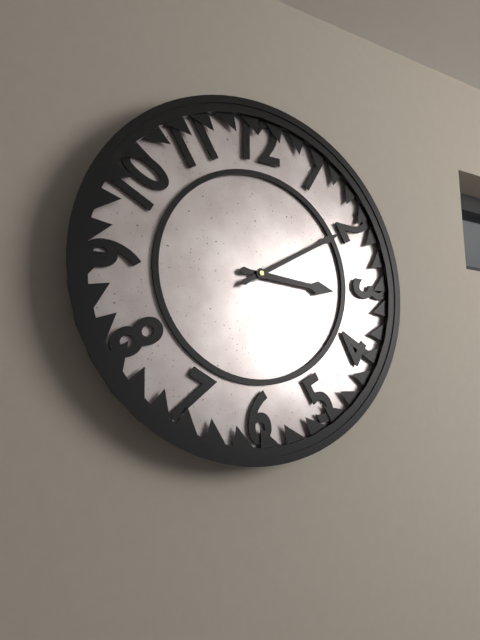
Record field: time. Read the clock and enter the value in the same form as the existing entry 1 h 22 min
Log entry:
3 h 10 min
